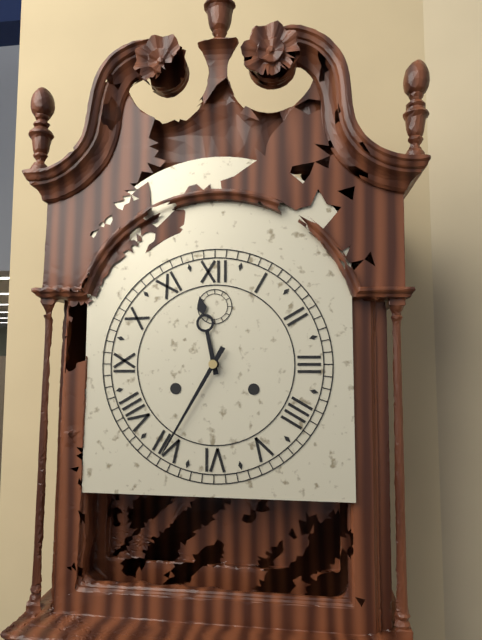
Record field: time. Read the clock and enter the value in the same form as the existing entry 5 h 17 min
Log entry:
11 h 35 min
